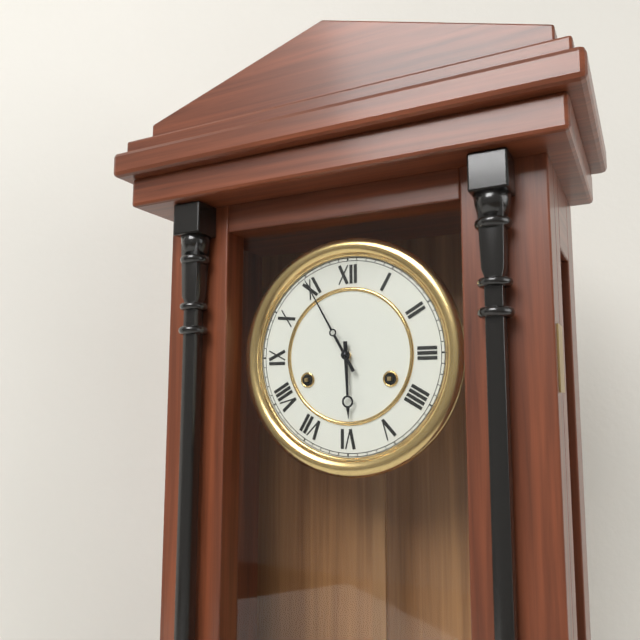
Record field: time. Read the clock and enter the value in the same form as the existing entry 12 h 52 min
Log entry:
5 h 55 min
